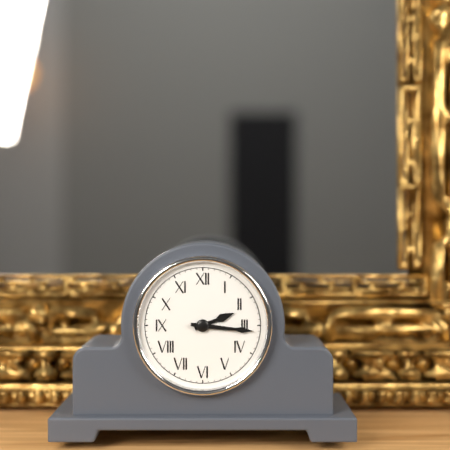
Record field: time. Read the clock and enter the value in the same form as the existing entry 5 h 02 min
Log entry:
2 h 16 min
